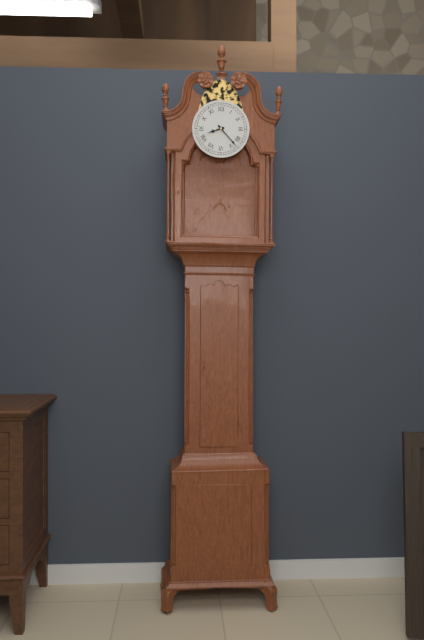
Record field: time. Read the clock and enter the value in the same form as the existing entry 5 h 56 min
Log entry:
8 h 23 min
